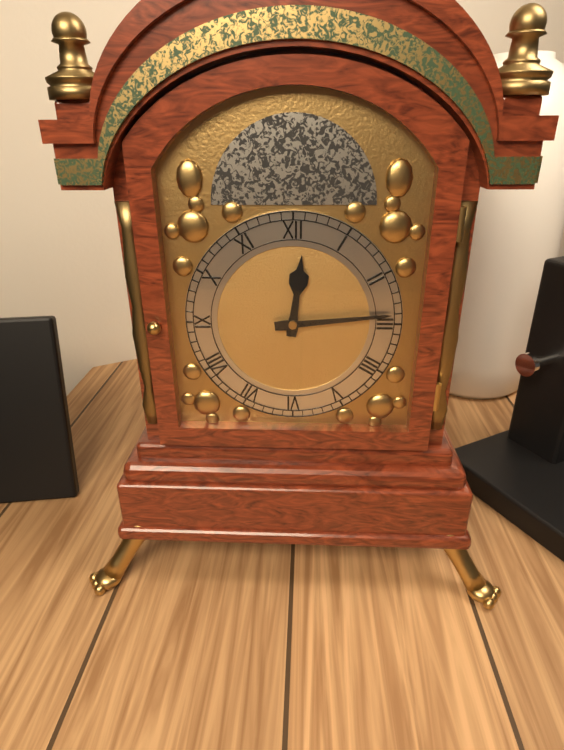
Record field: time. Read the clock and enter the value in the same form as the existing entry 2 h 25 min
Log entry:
12 h 14 min
